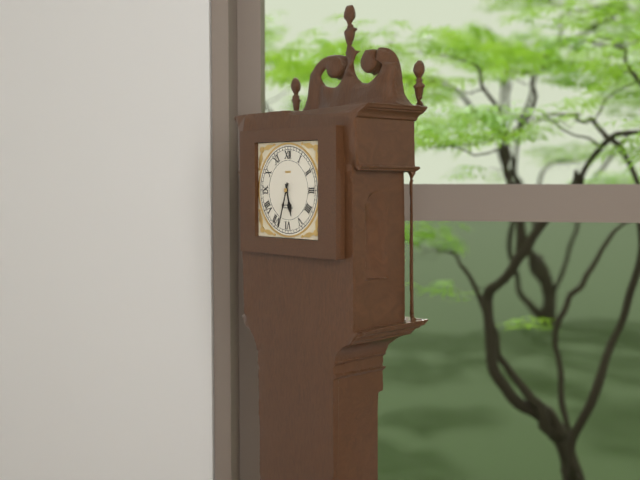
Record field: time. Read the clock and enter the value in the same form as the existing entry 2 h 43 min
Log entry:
5 h 33 min
